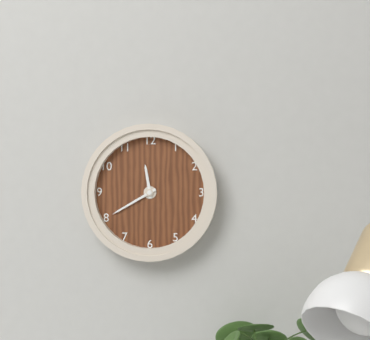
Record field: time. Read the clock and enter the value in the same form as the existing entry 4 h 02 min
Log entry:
11 h 40 min
